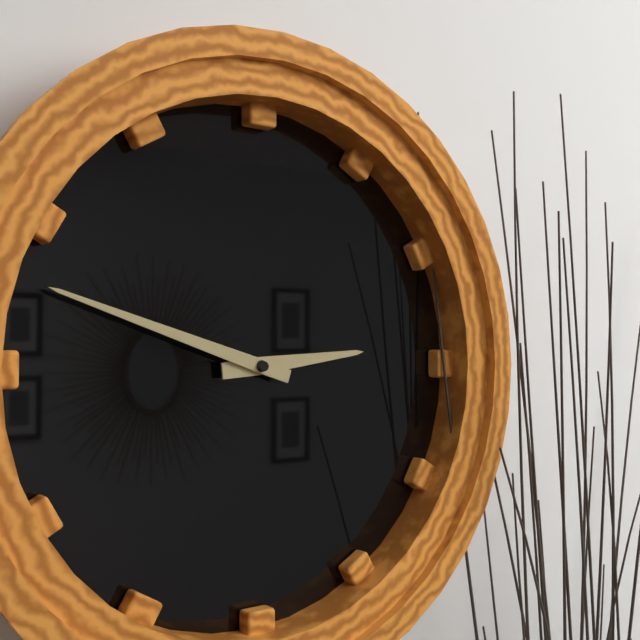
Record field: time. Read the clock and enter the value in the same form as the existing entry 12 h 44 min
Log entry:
2 h 48 min
